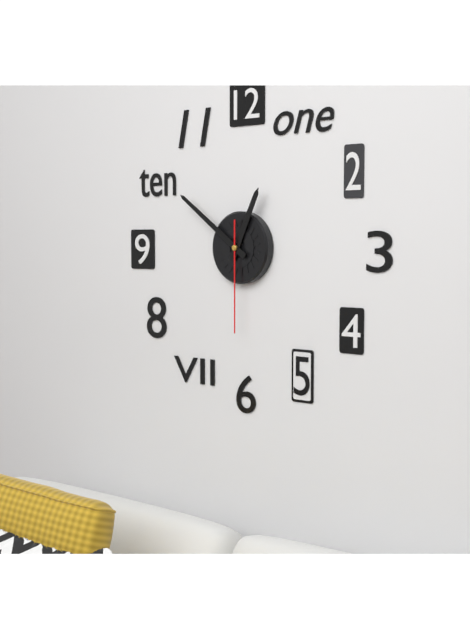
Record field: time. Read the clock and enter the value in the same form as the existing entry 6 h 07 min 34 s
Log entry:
12 h 51 min 30 s
